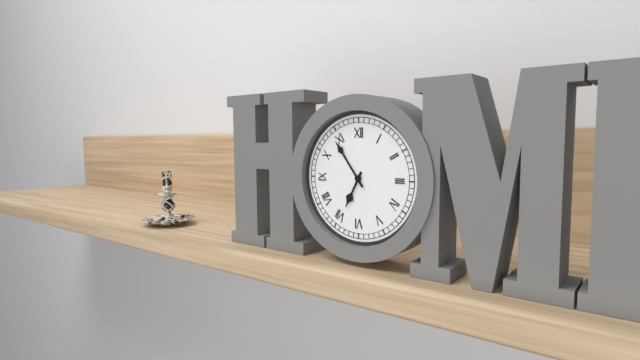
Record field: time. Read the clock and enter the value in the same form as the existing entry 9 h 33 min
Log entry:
6 h 54 min
